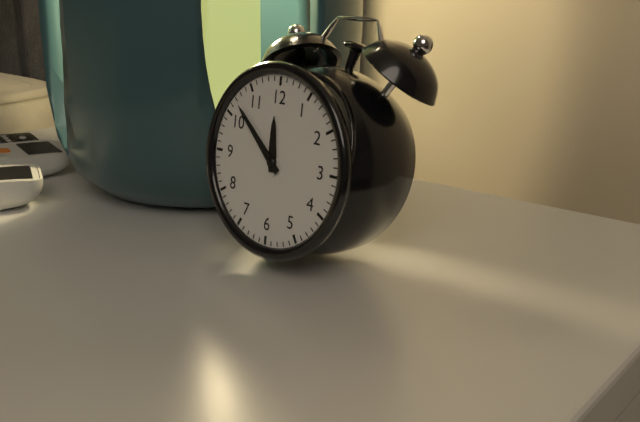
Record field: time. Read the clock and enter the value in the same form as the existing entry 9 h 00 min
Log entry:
11 h 52 min
